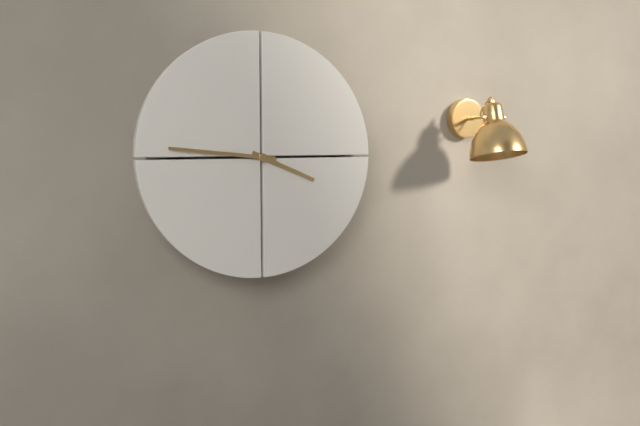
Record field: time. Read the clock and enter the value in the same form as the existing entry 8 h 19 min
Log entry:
3 h 46 min
